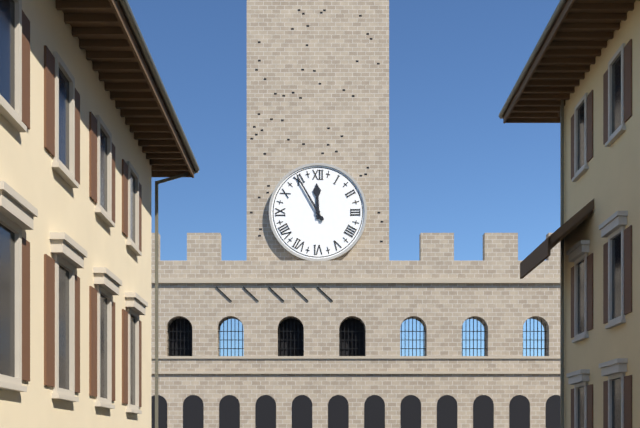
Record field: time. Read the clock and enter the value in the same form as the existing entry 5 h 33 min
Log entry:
11 h 55 min
